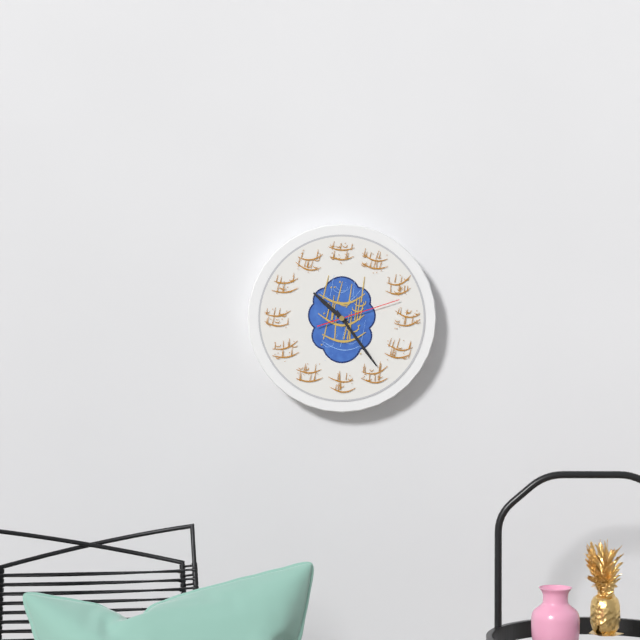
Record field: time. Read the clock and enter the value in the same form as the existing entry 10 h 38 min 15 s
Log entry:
10 h 24 min 12 s
